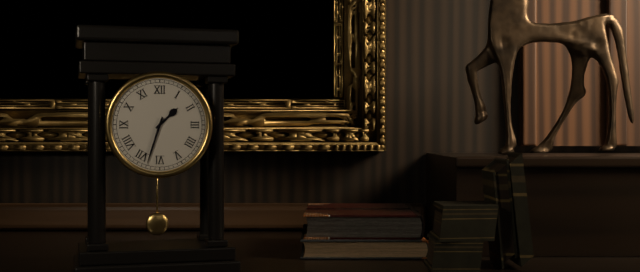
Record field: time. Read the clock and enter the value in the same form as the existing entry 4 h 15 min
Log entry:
1 h 33 min
